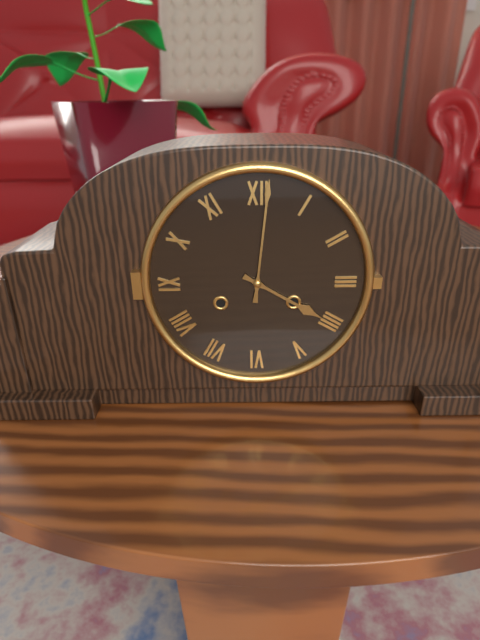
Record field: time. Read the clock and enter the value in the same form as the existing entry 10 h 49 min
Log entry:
4 h 01 min
